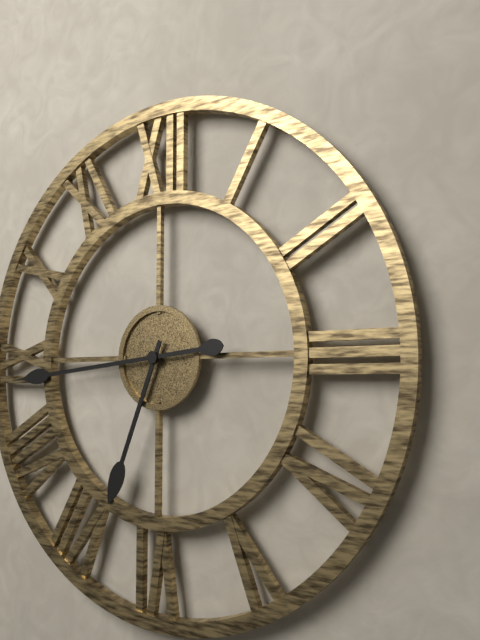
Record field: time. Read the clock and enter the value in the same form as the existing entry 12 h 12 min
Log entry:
6 h 44 min
